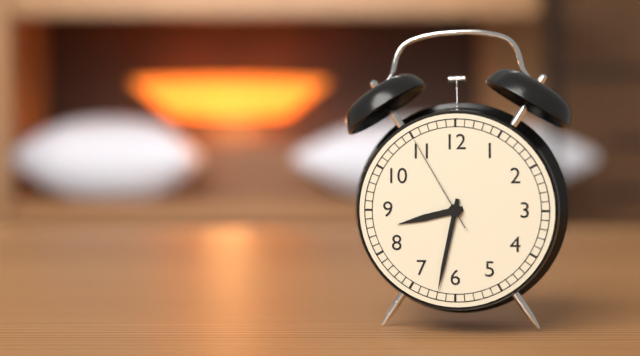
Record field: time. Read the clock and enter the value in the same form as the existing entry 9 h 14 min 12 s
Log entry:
8 h 32 min 55 s
